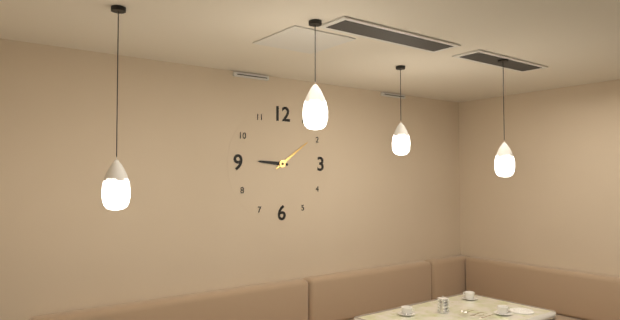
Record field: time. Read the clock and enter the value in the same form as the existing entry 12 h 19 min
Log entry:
9 h 09 min
